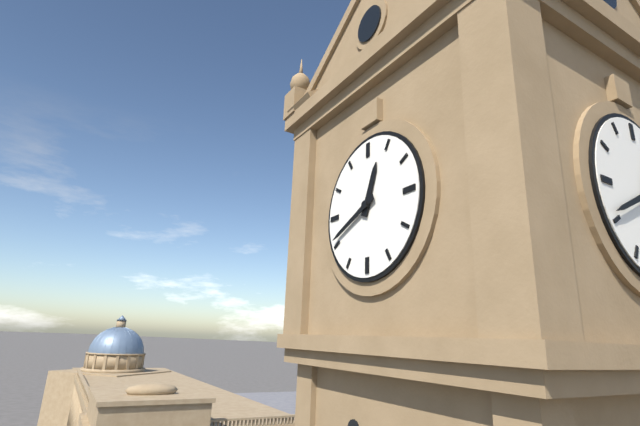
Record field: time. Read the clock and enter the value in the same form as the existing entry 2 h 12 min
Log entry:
12 h 41 min
